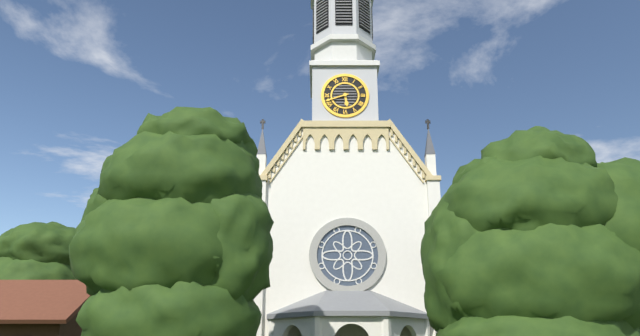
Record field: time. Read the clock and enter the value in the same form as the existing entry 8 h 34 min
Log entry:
5 h 42 min
